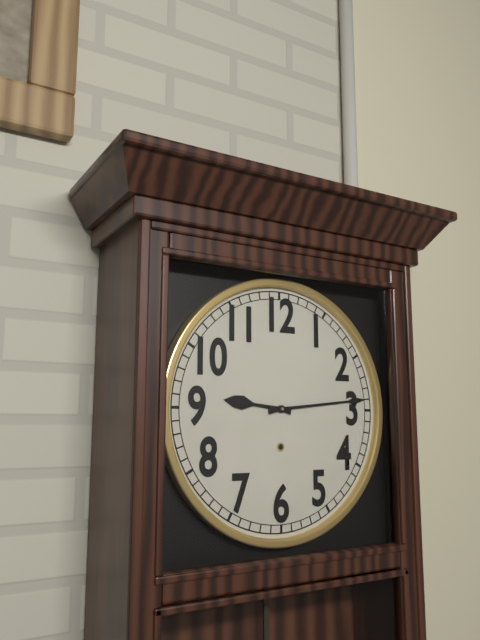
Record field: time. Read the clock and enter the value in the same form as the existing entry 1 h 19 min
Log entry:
9 h 14 min
